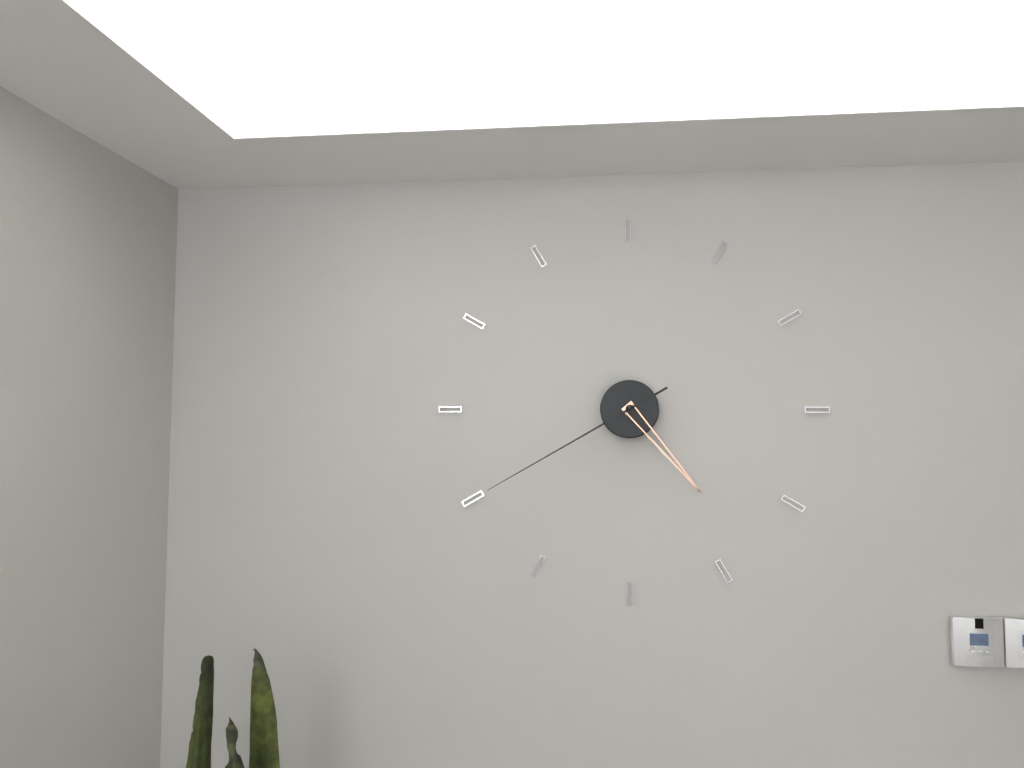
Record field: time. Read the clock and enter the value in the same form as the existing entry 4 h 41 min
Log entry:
4 h 40 min
